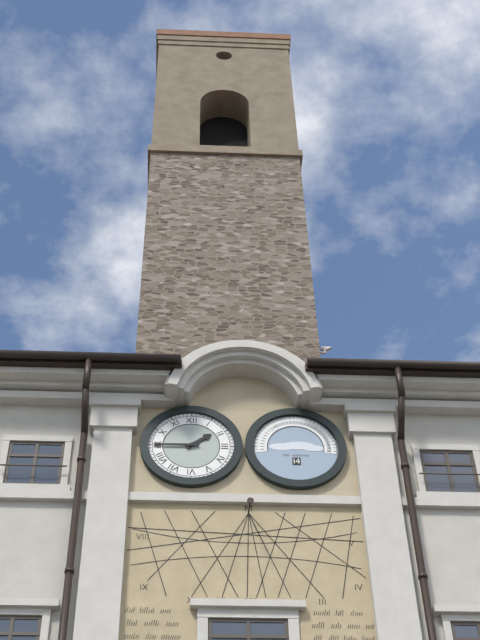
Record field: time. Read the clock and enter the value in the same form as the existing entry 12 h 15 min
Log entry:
1 h 45 min
